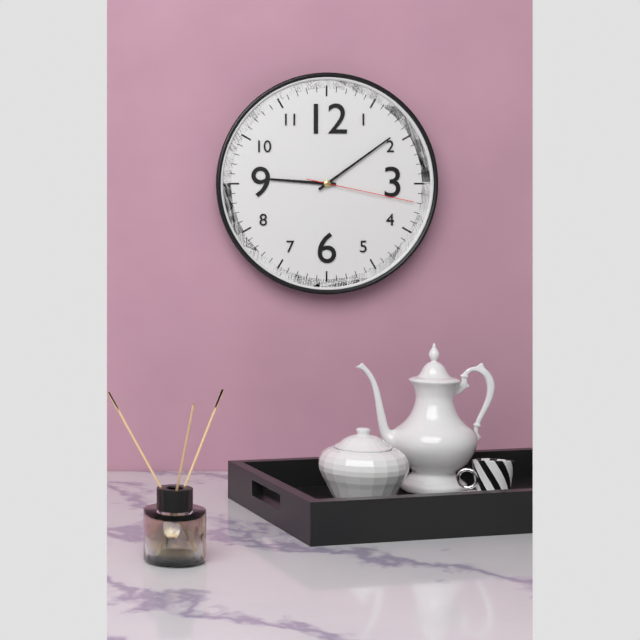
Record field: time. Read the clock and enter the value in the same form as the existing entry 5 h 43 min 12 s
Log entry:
9 h 09 min 17 s
